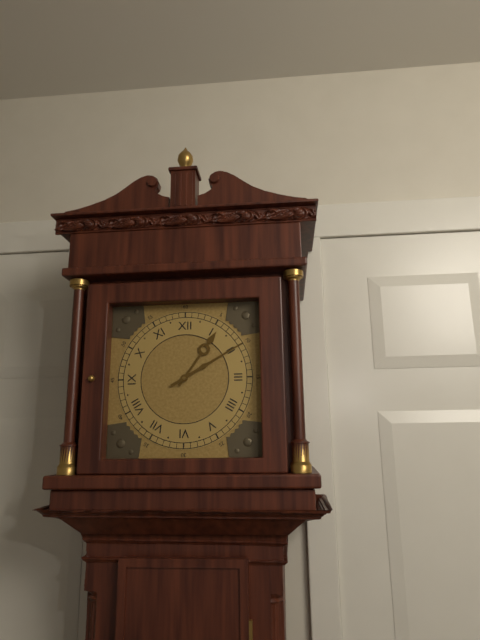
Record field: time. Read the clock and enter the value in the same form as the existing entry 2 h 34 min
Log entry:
1 h 10 min
